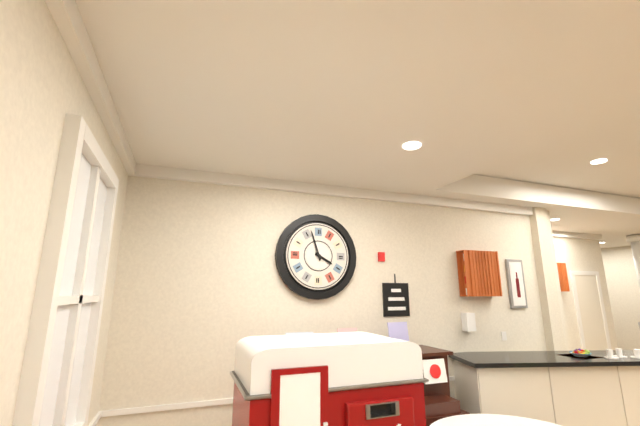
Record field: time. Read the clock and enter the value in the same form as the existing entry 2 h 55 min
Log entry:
3 h 57 min
